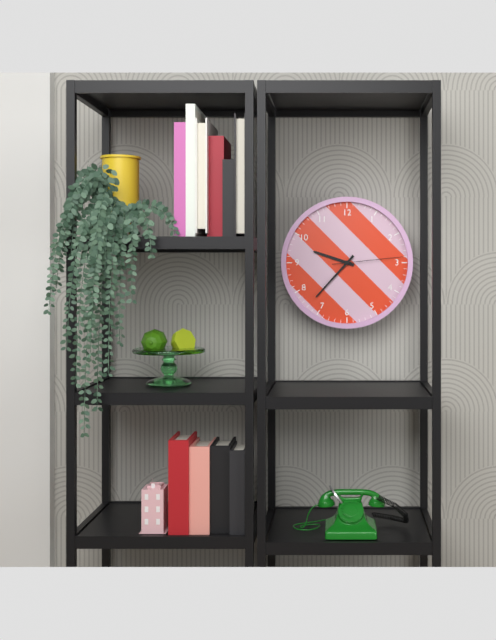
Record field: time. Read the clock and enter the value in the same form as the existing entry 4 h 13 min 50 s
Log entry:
9 h 37 min 14 s
